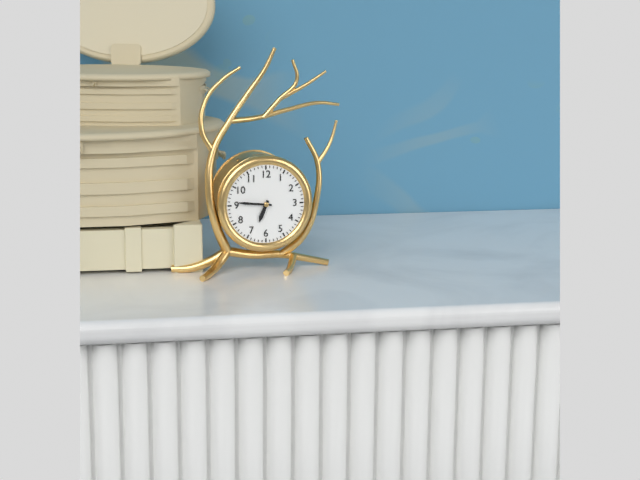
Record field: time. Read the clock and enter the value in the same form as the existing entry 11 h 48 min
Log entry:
6 h 46 min
